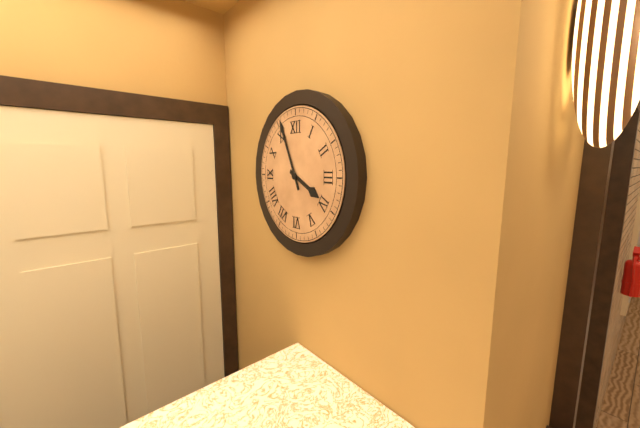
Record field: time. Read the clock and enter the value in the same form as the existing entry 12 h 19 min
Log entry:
3 h 56 min
